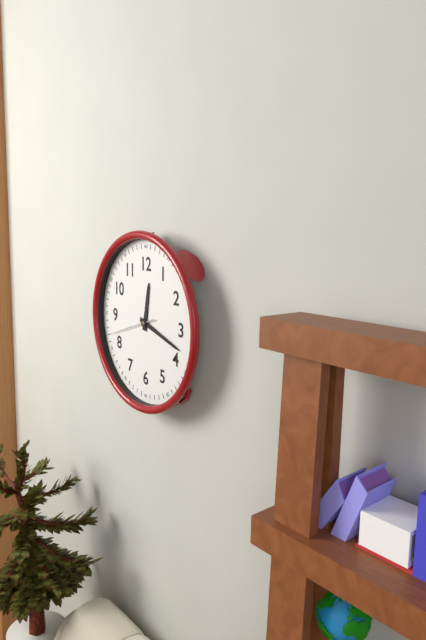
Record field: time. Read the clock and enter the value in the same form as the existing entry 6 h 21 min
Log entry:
12 h 18 min
